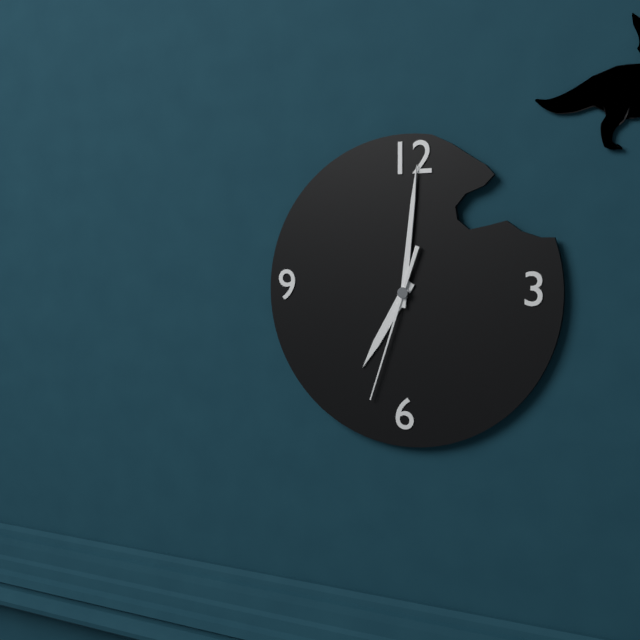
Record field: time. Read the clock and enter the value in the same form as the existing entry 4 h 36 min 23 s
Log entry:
7 h 01 min 33 s
